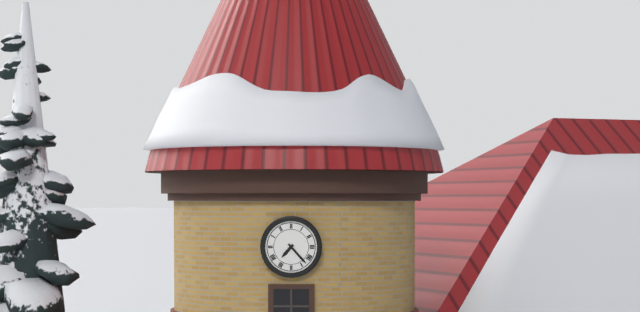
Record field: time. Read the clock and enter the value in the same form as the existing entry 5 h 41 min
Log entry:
7 h 23 min
